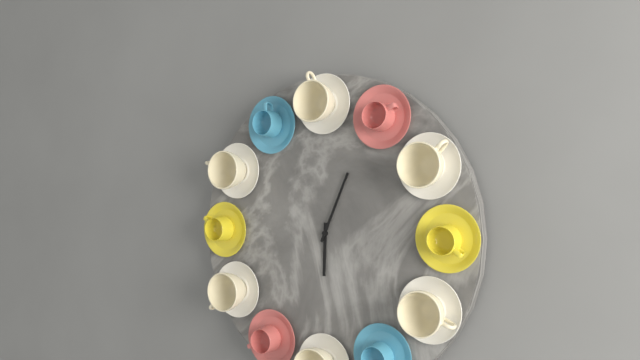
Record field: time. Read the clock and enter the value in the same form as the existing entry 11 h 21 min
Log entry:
6 h 04 min
